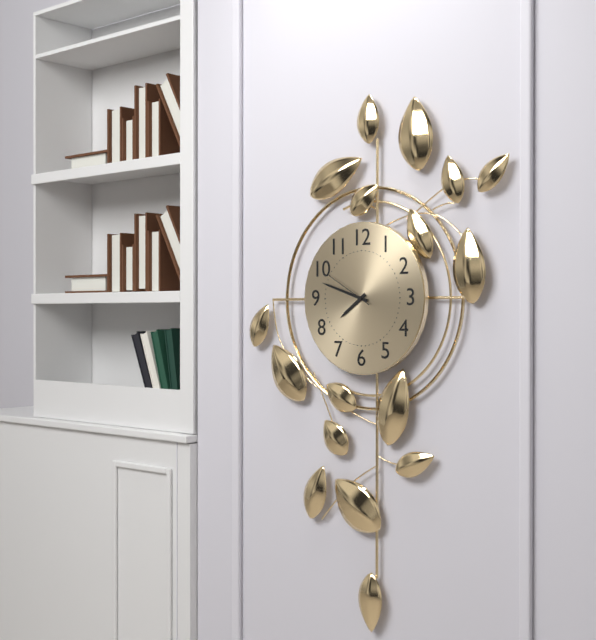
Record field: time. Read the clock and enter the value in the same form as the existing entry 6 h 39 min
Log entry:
7 h 48 min
